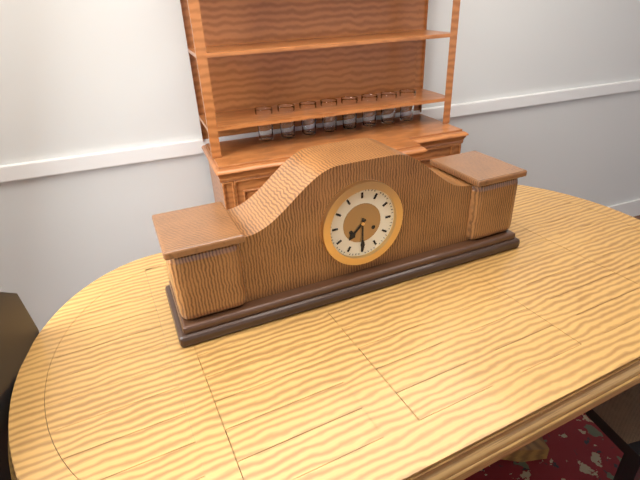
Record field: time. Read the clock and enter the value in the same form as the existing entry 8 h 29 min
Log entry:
7 h 30 min
